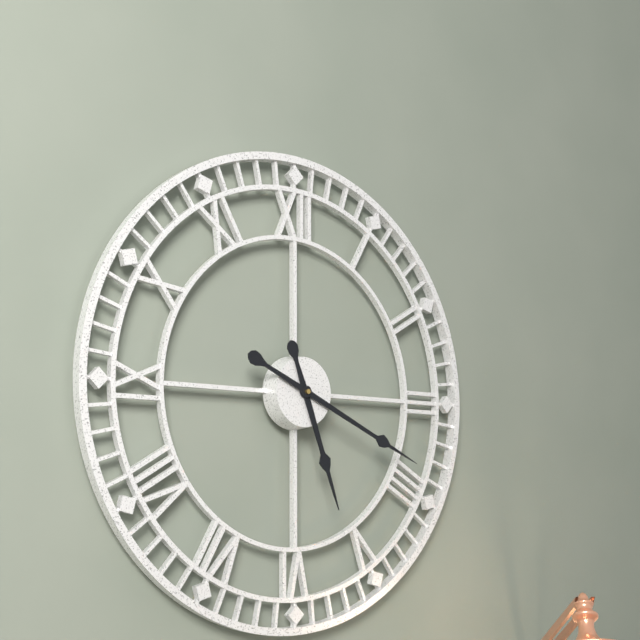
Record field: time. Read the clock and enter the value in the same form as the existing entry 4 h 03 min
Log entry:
5 h 19 min
